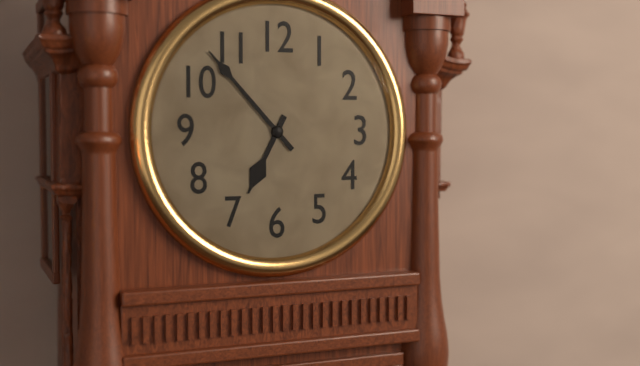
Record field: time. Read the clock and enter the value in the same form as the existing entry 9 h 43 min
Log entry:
6 h 53 min
